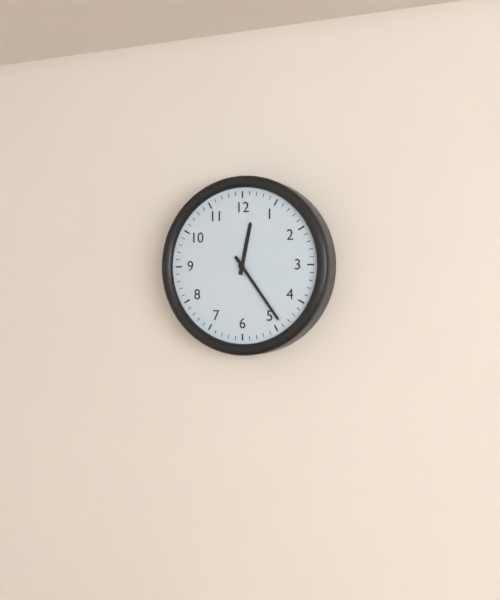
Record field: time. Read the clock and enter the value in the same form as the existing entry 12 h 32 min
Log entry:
12 h 24 min
